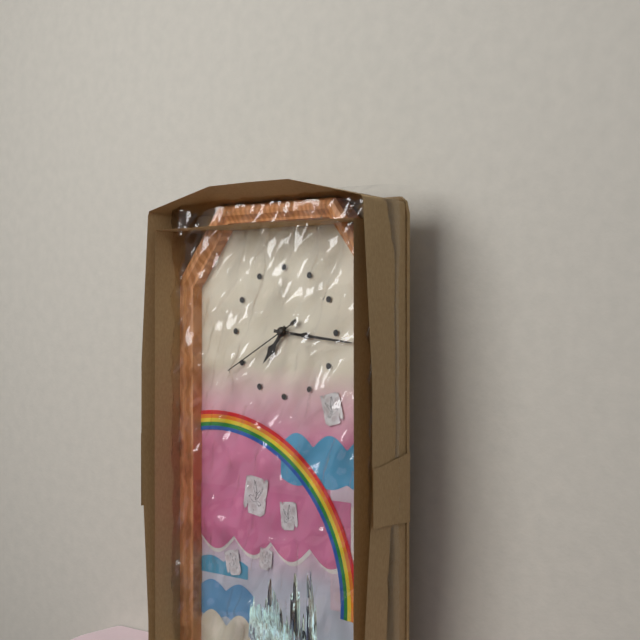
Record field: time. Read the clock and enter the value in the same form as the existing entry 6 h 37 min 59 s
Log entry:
7 h 16 min 40 s
